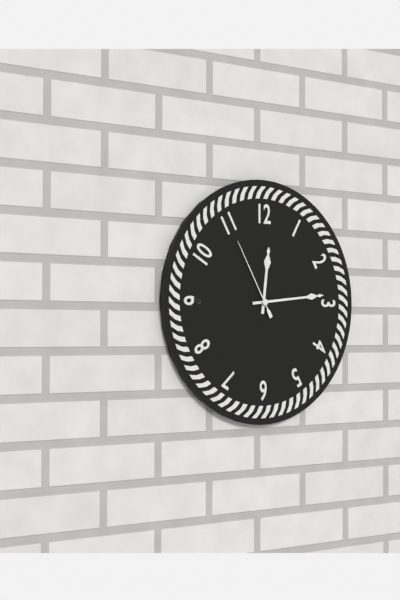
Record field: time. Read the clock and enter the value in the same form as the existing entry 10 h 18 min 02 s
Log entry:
12 h 14 min 55 s
